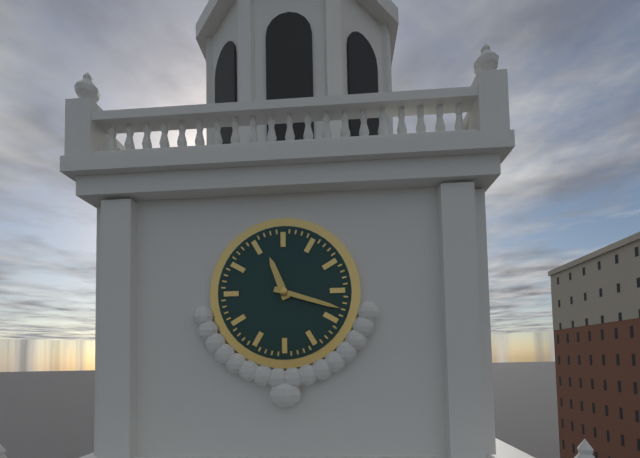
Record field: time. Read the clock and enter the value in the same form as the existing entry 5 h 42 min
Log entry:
11 h 18 min
